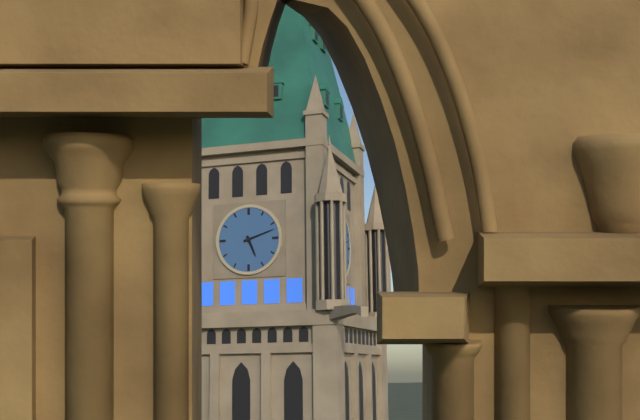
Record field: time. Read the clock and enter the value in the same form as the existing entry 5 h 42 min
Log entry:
5 h 12 min
